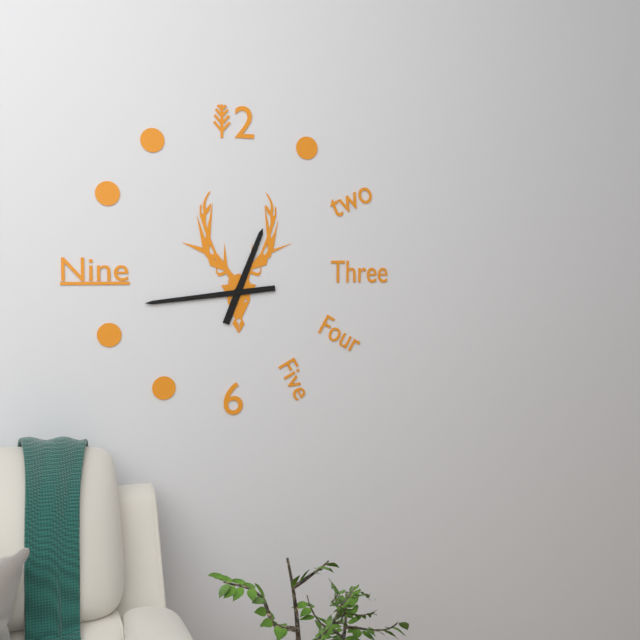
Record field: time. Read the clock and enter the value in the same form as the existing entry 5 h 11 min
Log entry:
12 h 44 min
